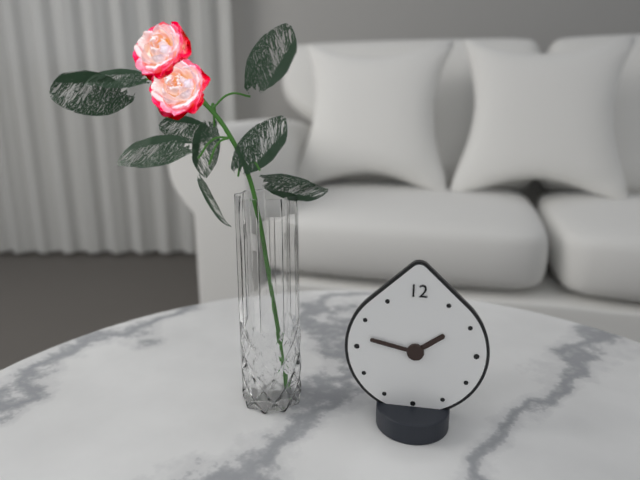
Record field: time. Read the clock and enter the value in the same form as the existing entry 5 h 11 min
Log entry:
1 h 47 min
